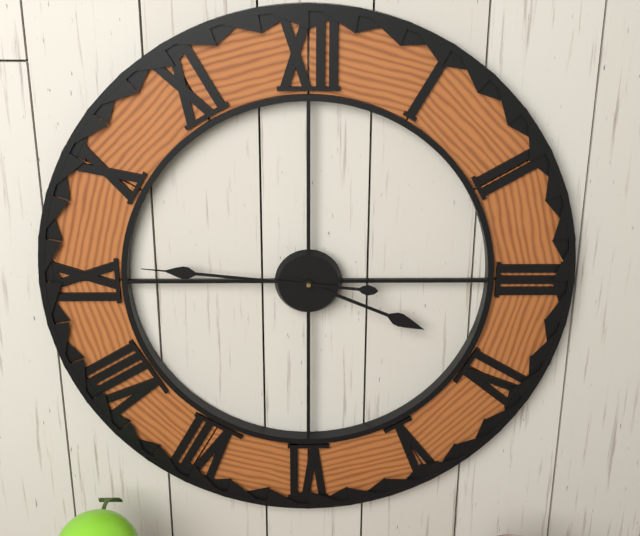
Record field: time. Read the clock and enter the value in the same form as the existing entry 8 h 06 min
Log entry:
3 h 46 min
